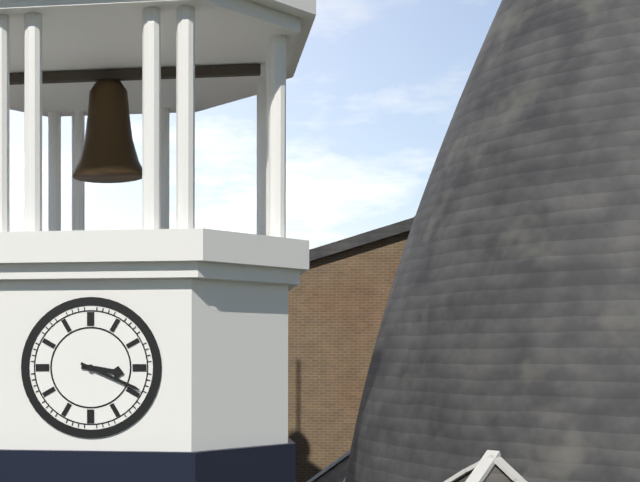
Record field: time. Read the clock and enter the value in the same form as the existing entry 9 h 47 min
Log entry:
3 h 19 min
